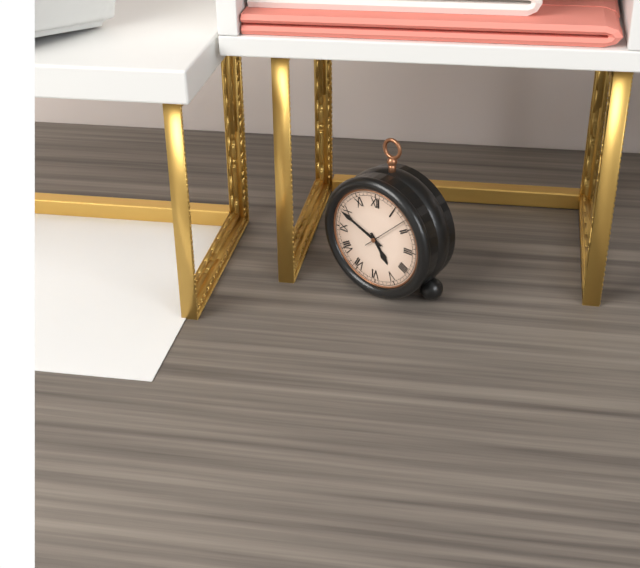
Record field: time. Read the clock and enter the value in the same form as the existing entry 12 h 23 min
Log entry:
4 h 49 min
